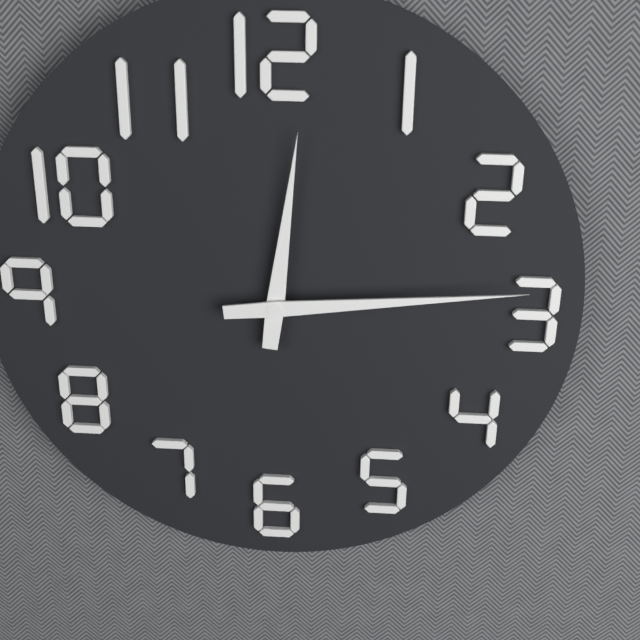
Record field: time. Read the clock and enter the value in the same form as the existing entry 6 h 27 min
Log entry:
12 h 14 min
